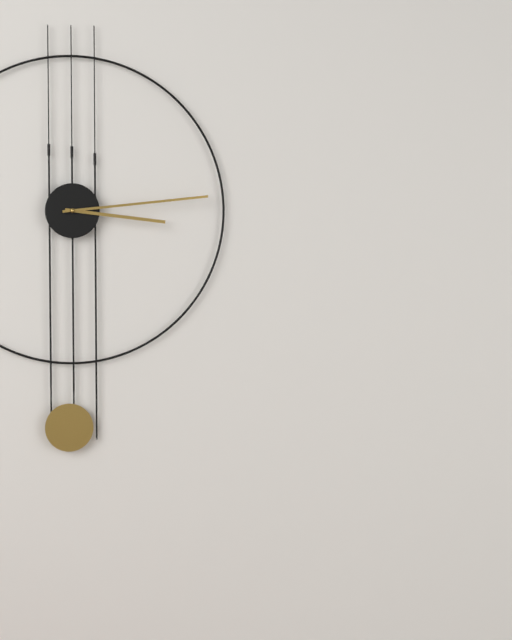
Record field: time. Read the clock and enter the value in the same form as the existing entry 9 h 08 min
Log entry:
3 h 14 min
